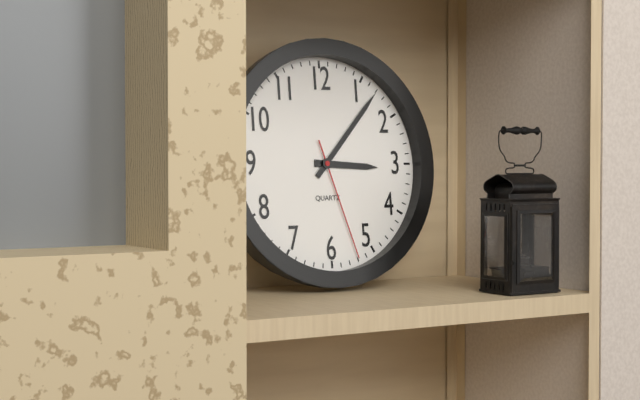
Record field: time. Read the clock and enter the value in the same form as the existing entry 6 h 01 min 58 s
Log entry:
3 h 07 min 27 s
